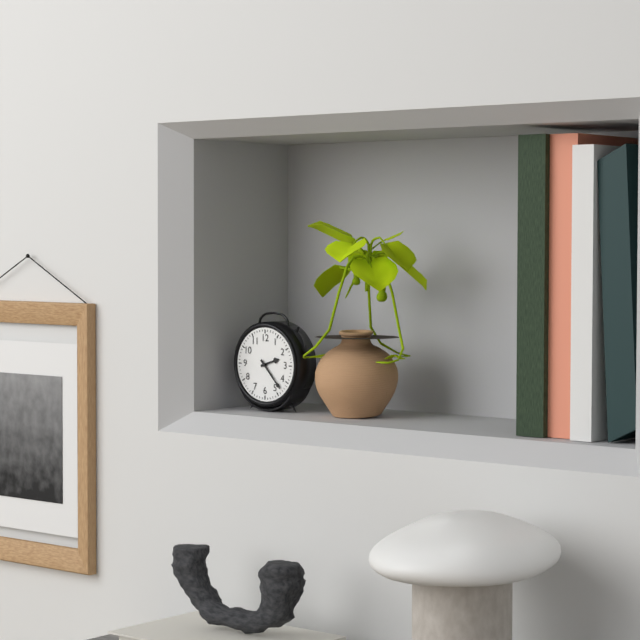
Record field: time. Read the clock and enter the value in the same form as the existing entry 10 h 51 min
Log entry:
2 h 23 min
